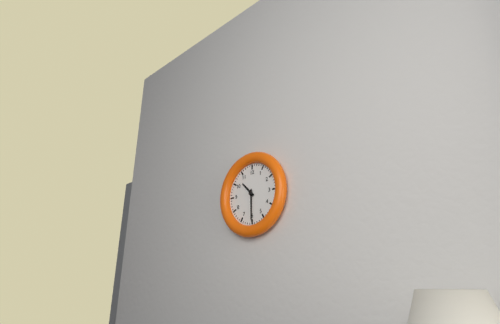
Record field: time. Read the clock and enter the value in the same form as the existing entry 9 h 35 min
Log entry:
10 h 30 min
